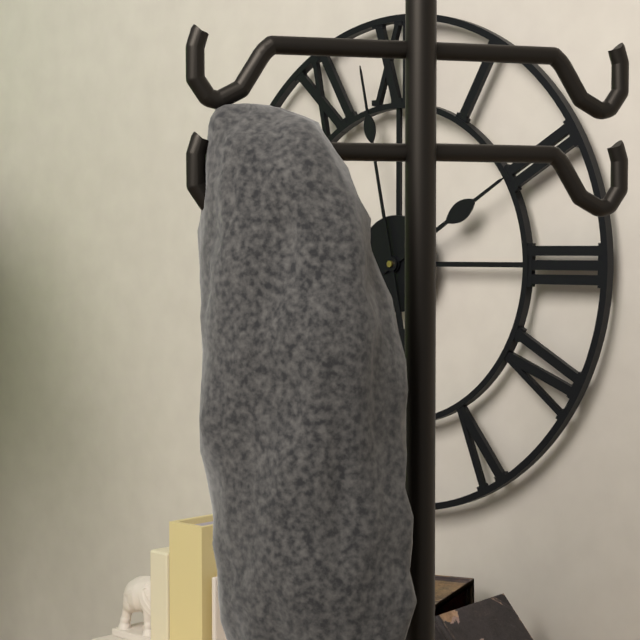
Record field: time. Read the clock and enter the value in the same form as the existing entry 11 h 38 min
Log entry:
1 h 58 min
